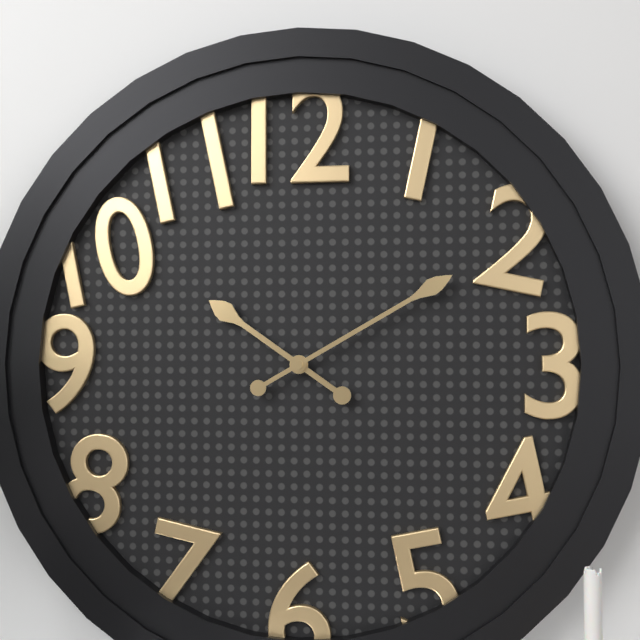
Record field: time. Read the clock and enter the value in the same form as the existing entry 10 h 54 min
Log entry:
10 h 10 min
